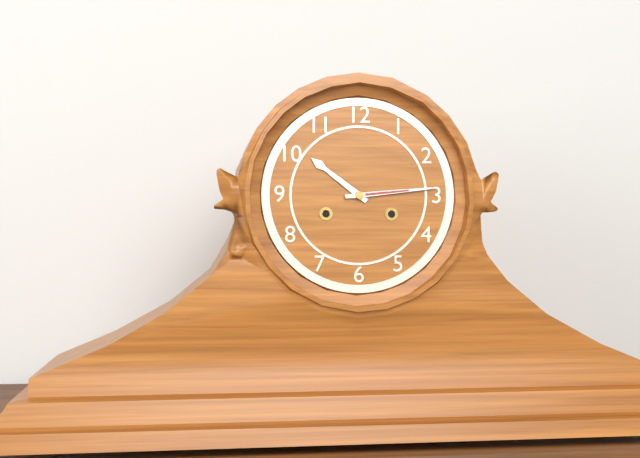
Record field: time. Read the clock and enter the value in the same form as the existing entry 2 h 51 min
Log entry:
10 h 14 min
